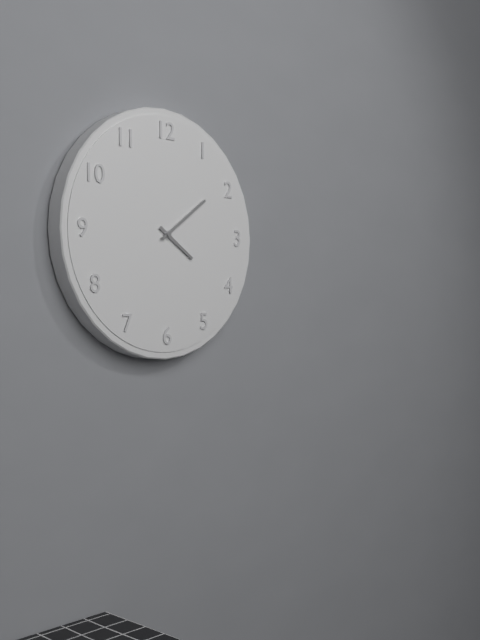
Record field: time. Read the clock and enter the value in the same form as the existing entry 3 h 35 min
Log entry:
4 h 09 min
